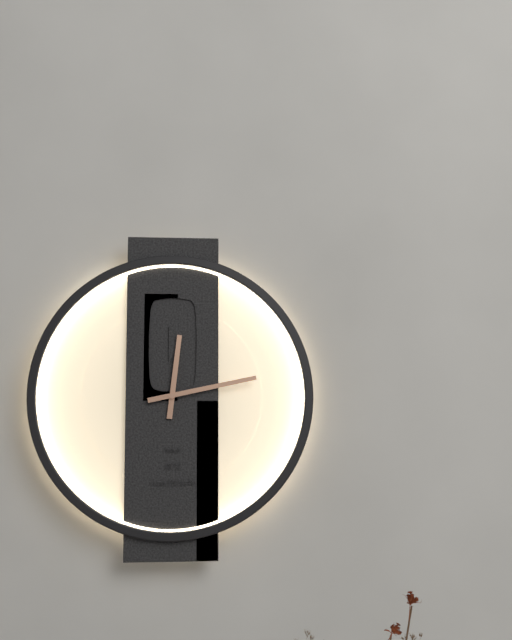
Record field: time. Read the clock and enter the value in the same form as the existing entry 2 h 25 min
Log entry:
12 h 13 min
